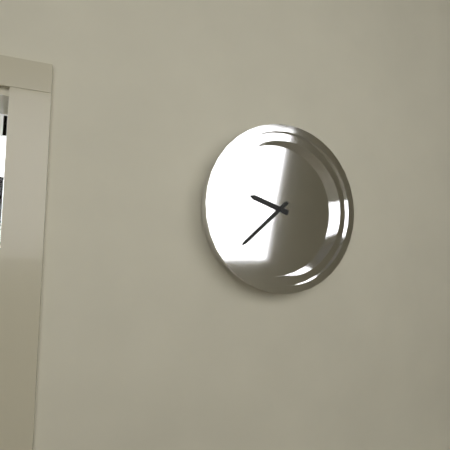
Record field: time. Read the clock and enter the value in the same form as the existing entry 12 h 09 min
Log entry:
9 h 38 min
